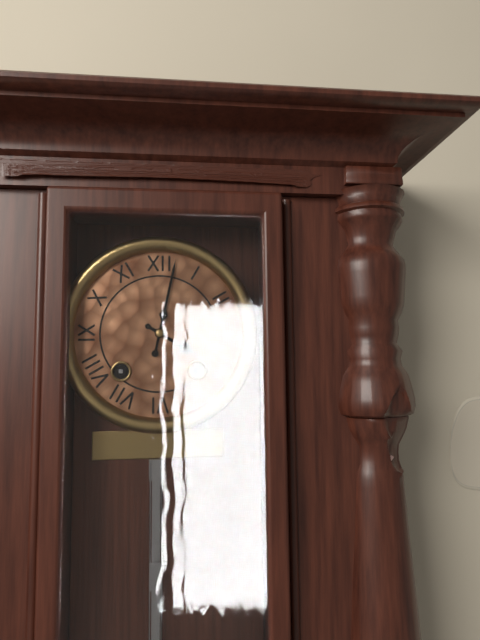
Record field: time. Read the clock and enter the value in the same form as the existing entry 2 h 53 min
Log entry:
4 h 02 min
